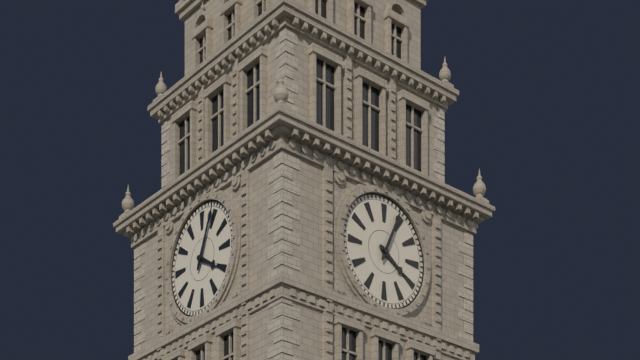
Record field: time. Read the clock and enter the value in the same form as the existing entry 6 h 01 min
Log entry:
4 h 04 min
